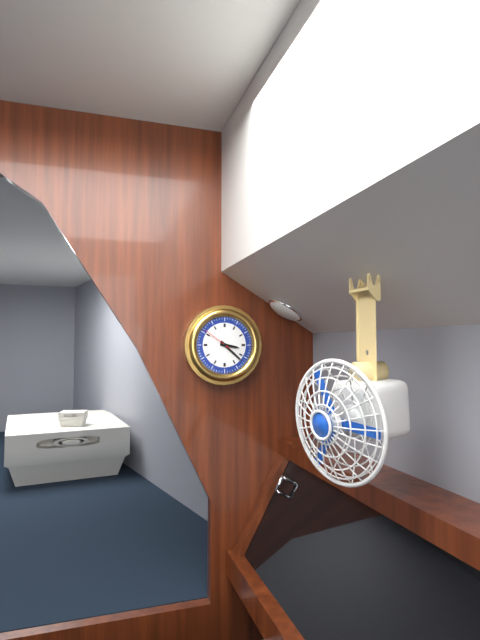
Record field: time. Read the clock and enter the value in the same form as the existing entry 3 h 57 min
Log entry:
3 h 22 min
